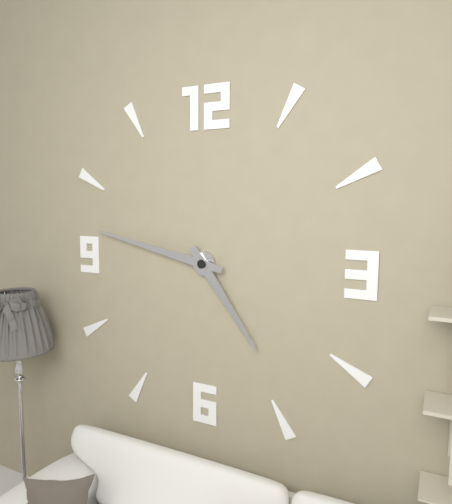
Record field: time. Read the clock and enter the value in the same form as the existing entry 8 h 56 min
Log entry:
4 h 47 min
